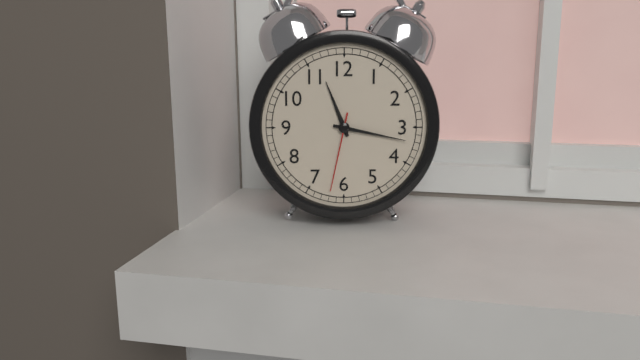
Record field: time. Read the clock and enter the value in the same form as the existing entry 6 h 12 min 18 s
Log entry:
11 h 17 min 32 s
